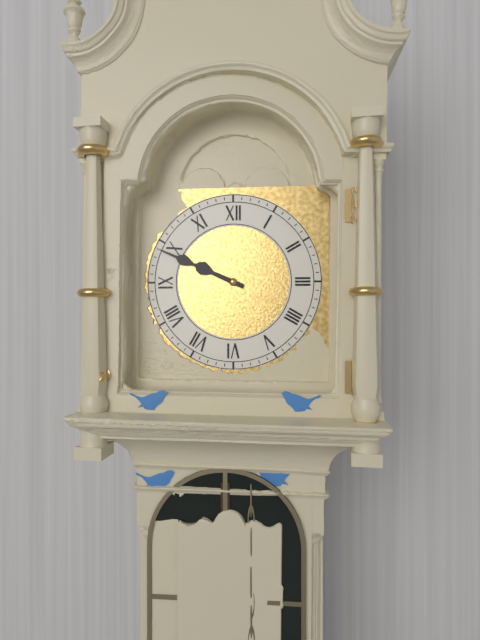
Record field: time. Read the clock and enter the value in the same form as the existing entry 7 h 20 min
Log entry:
9 h 49 min
